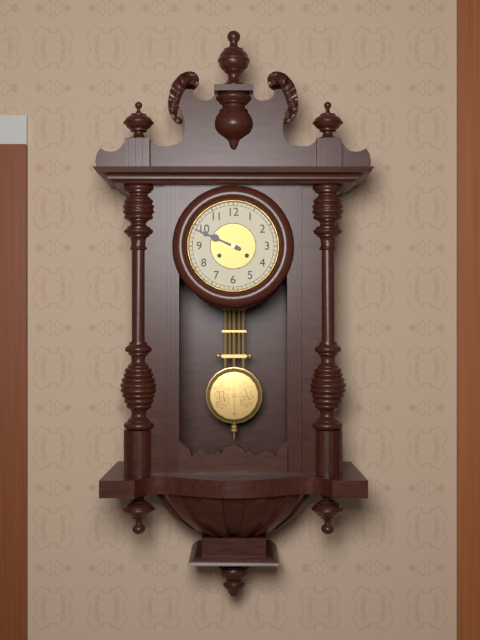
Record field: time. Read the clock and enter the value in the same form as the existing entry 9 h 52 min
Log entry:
9 h 49 min
